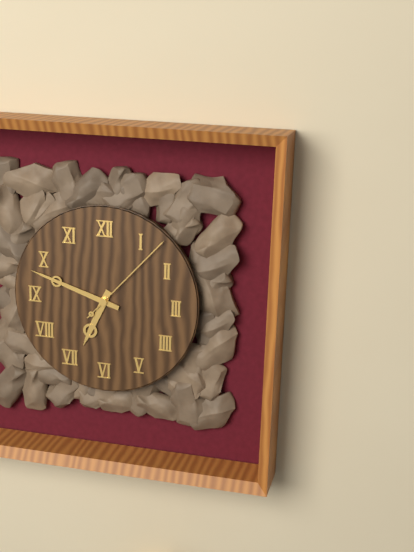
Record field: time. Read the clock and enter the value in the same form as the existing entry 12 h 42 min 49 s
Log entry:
6 h 48 min 07 s
